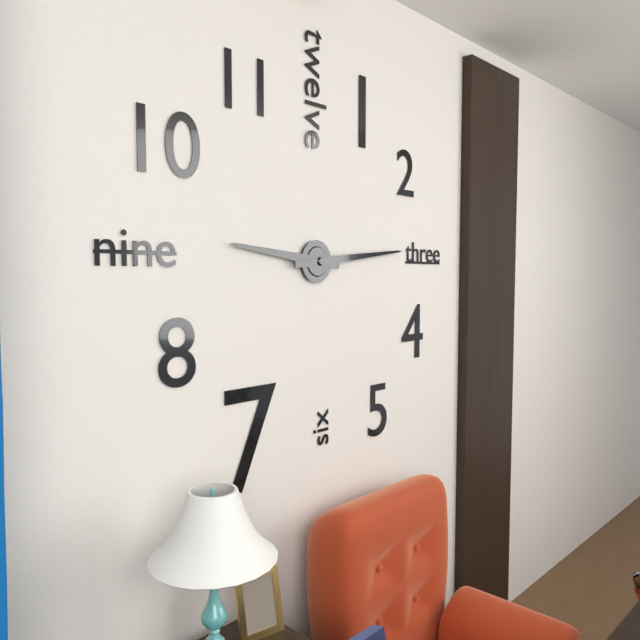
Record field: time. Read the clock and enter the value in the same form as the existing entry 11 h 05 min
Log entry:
9 h 14 min
